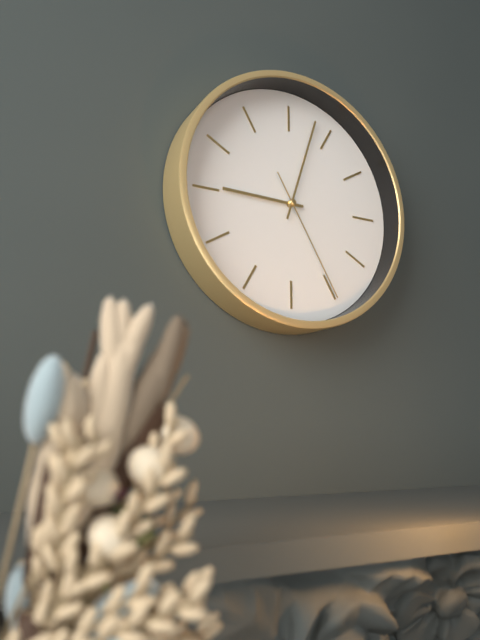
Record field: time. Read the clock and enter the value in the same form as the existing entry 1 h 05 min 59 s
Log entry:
9 h 03 min 25 s
